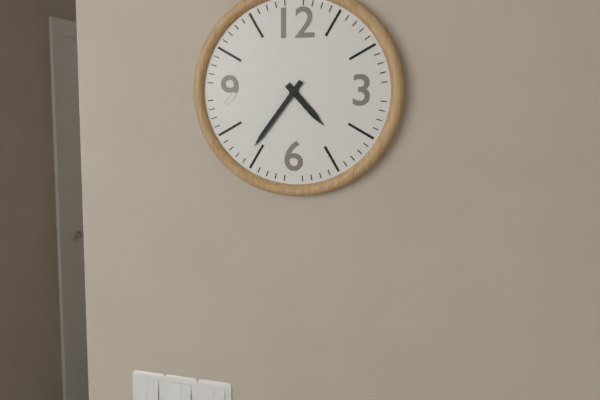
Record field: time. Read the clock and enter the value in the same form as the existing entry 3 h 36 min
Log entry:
4 h 36 min
